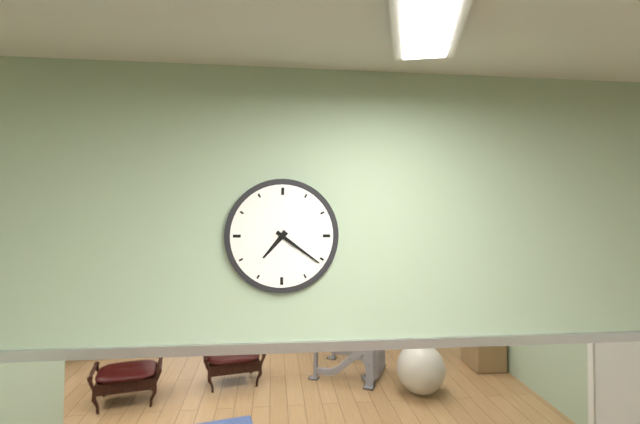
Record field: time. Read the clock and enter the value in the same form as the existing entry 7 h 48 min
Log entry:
7 h 21 min
